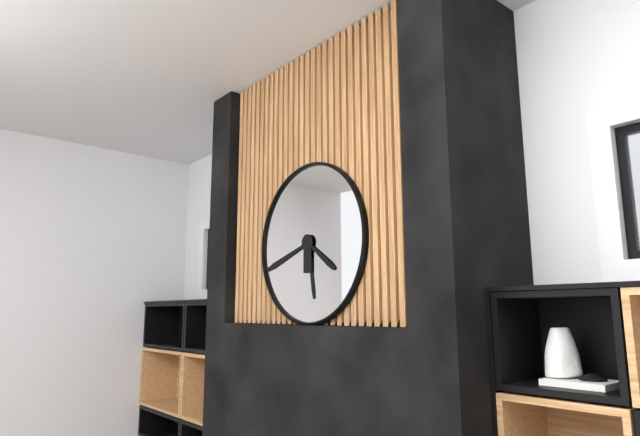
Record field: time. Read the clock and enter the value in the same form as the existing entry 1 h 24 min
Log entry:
5 h 42 min
